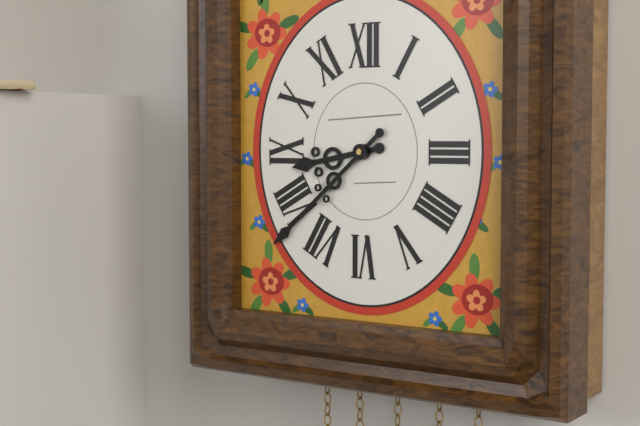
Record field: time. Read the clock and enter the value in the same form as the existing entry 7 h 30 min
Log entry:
8 h 38 min
